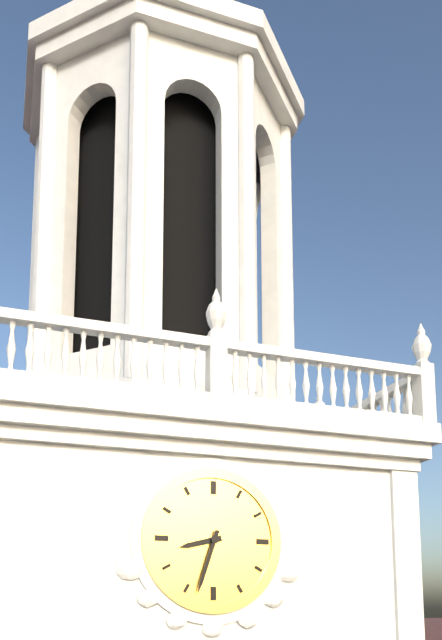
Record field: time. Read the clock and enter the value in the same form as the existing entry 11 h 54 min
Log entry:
8 h 33 min
